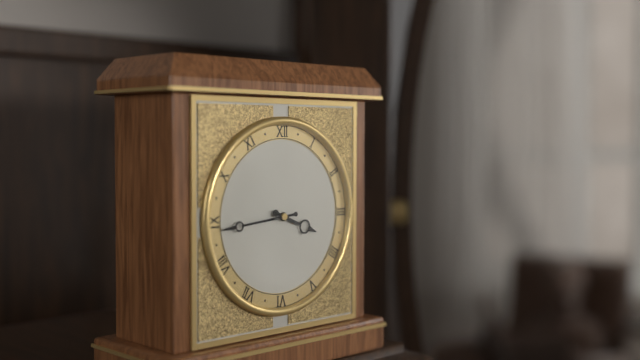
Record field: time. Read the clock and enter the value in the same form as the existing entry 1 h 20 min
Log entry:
3 h 44 min
